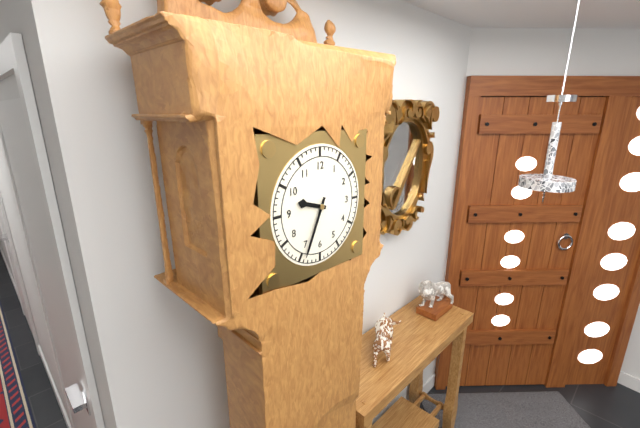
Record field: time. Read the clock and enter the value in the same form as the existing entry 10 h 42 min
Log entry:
9 h 34 min
